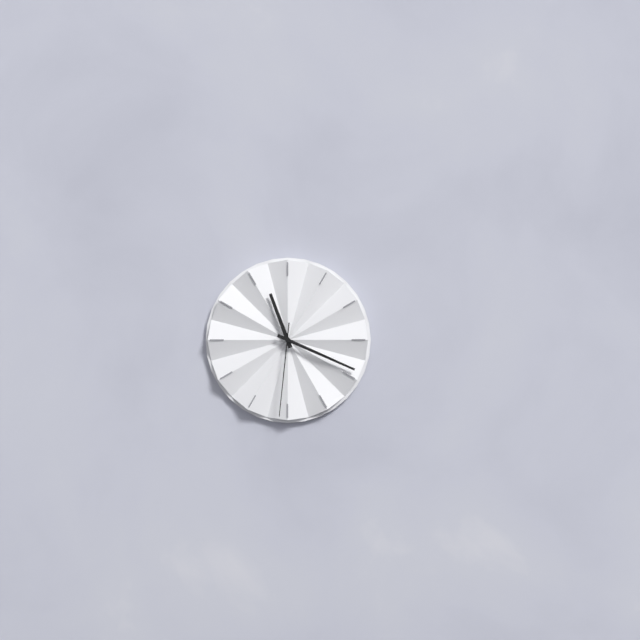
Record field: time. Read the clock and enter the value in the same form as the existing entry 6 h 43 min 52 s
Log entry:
11 h 19 min 31 s
